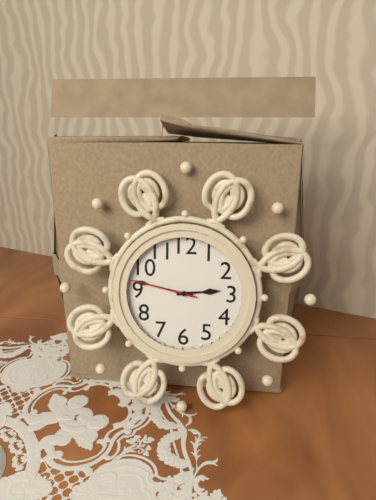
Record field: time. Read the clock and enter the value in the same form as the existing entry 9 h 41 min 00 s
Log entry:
2 h 47 min 47 s
